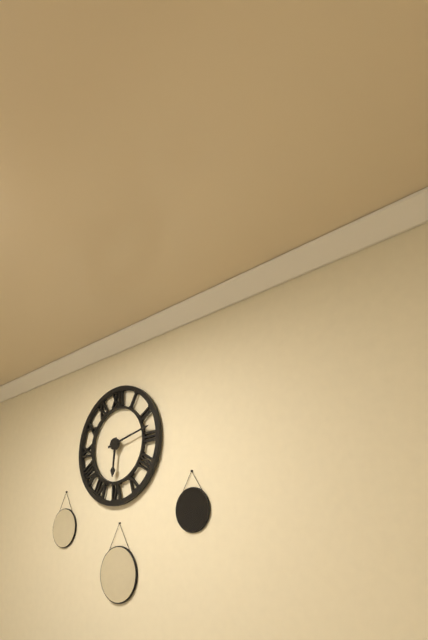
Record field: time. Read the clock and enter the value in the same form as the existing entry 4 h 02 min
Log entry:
6 h 13 min
